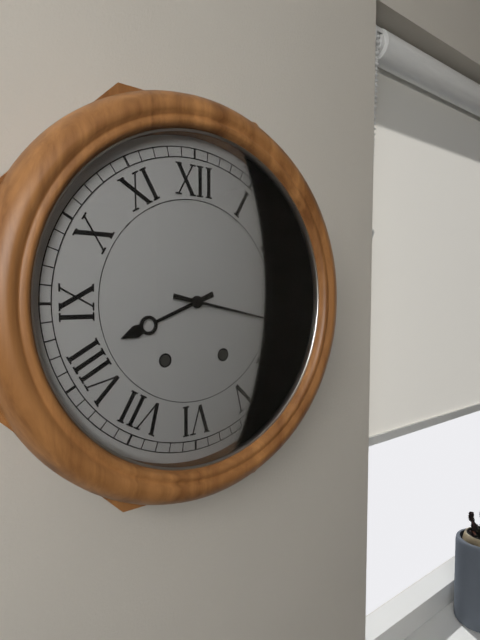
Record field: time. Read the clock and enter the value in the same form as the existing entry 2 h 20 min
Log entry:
8 h 17 min
